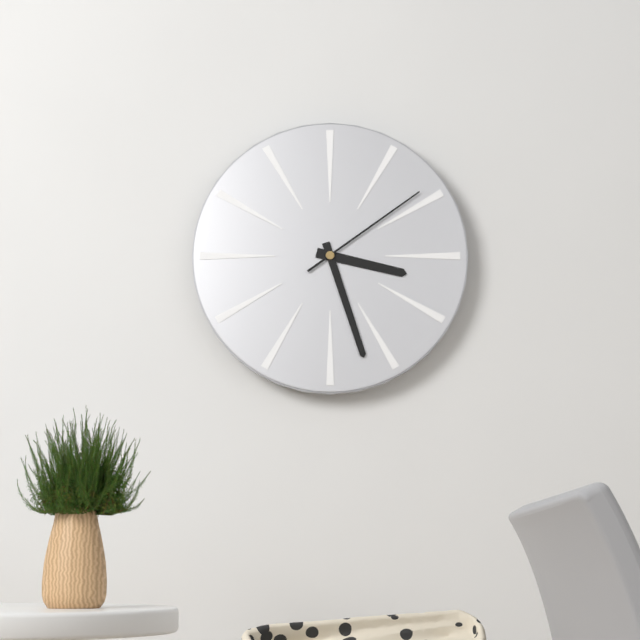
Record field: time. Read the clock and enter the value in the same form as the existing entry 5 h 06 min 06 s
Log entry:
3 h 27 min 09 s
